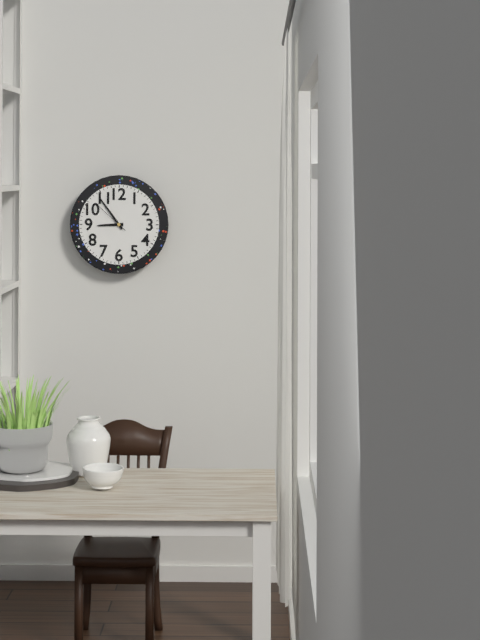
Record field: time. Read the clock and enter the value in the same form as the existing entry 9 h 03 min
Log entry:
8 h 54 min
